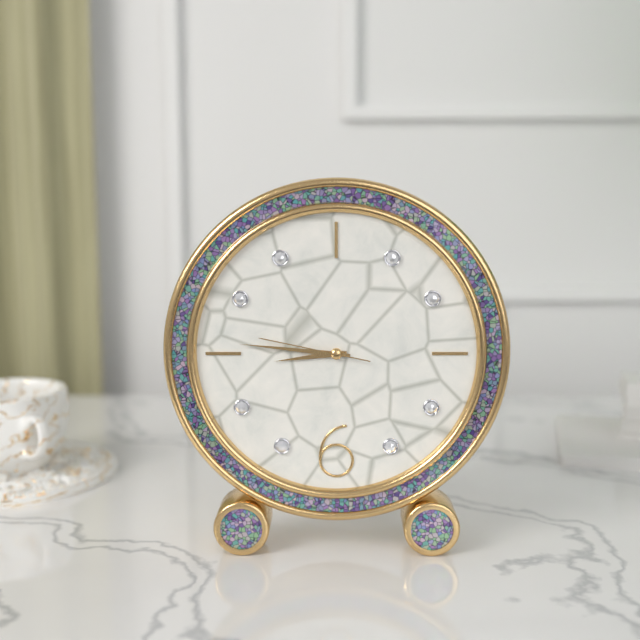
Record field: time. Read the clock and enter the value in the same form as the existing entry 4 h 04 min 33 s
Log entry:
8 h 46 min 47 s
